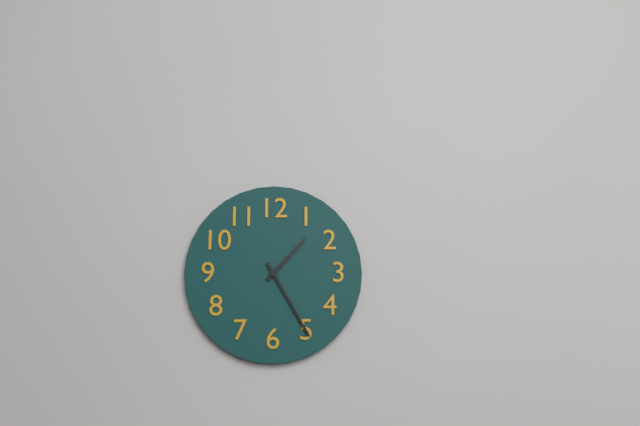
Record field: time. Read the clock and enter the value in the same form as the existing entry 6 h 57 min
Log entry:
1 h 25 min
